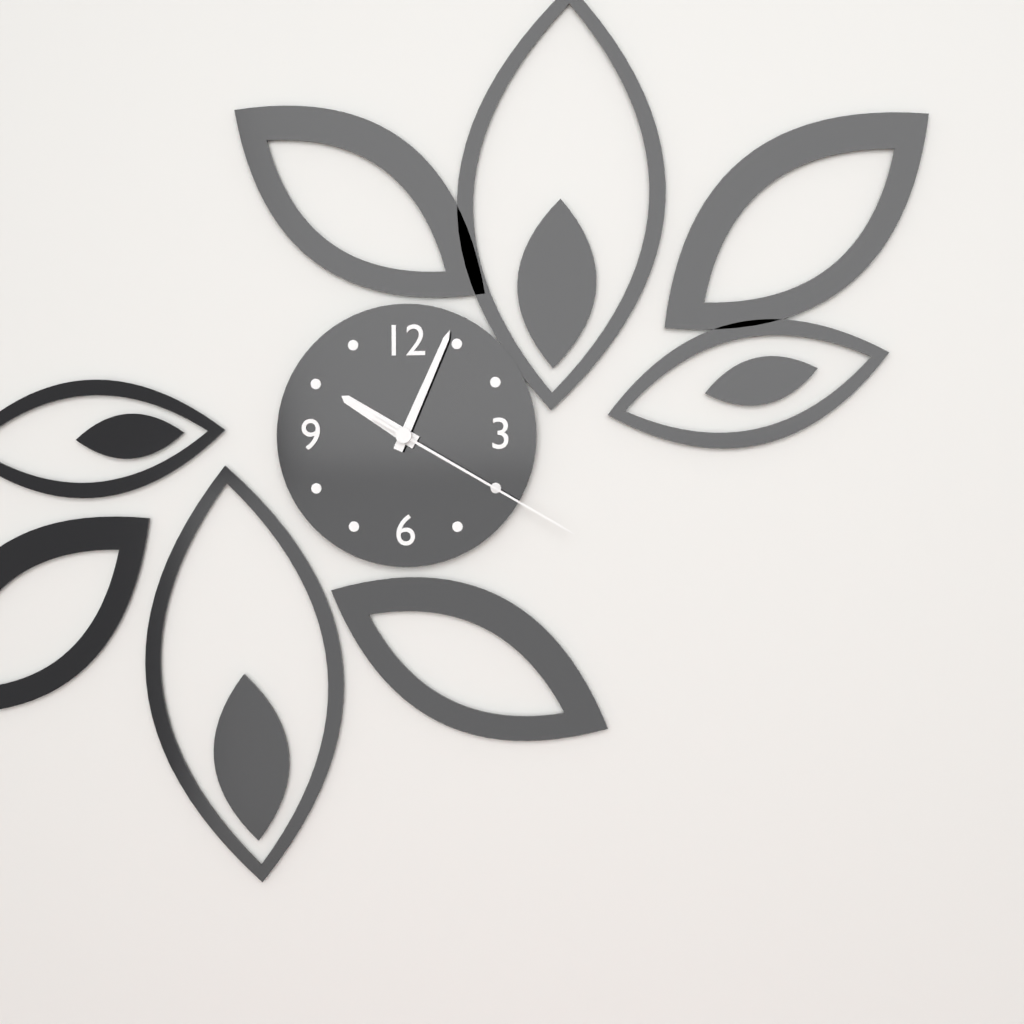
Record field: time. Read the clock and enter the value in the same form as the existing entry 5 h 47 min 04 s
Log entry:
10 h 04 min 20 s
